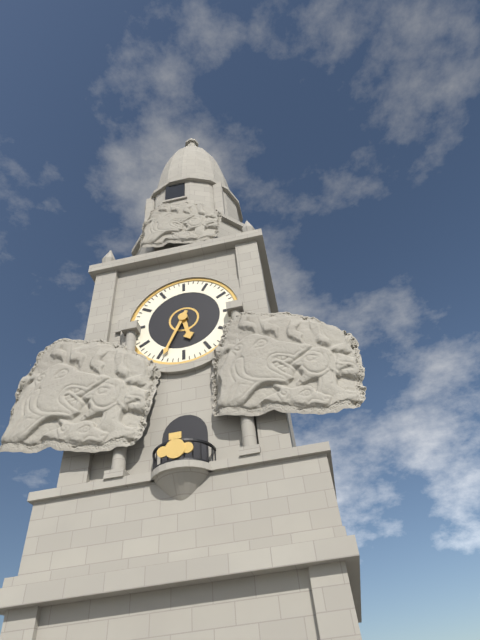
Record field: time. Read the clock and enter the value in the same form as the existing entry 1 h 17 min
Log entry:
5 h 34 min
